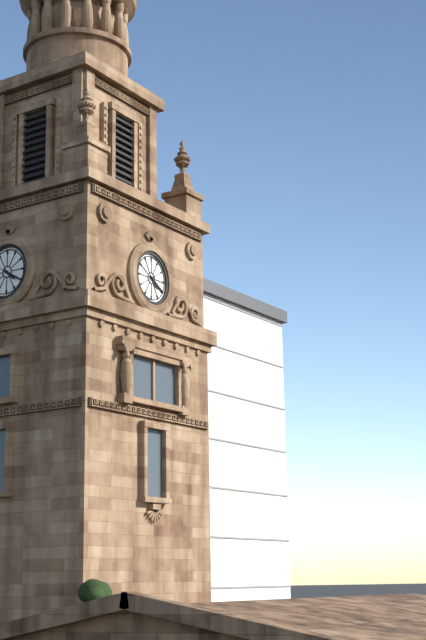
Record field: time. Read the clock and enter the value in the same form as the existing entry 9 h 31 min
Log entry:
4 h 20 min
